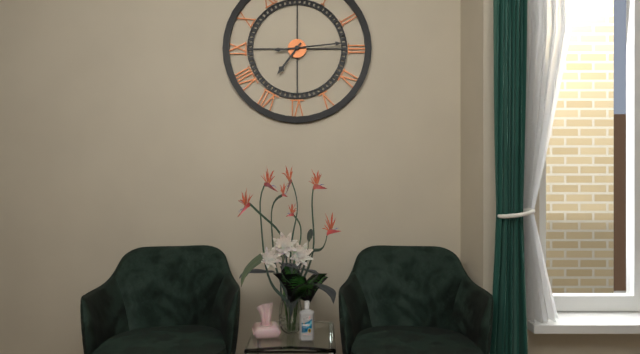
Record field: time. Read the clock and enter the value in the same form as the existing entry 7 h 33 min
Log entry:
7 h 14 min
